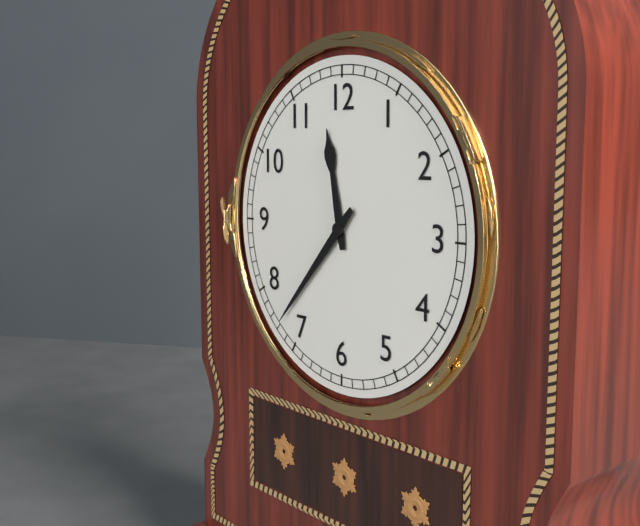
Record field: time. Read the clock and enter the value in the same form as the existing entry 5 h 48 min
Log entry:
11 h 37 min
